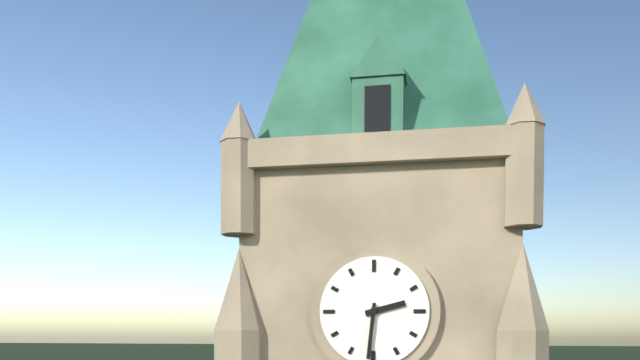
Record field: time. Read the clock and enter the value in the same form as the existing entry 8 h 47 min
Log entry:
2 h 31 min
